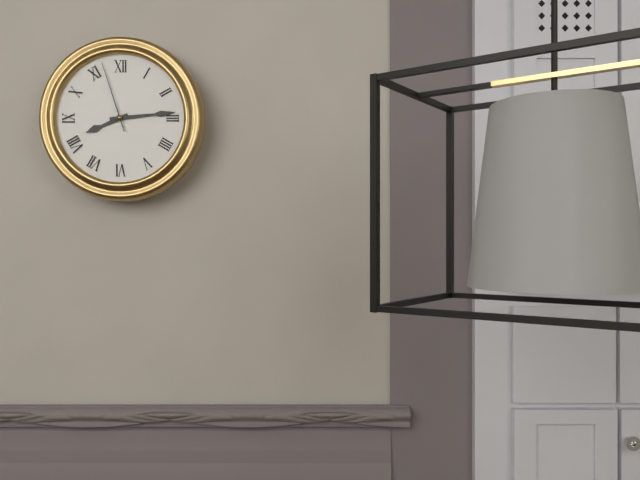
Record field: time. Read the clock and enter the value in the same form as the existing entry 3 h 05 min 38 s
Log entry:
8 h 14 min 57 s
